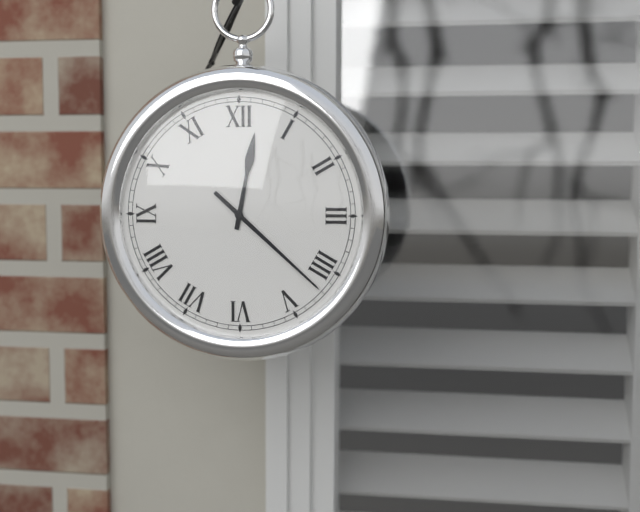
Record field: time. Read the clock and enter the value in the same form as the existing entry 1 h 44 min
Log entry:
12 h 22 min
